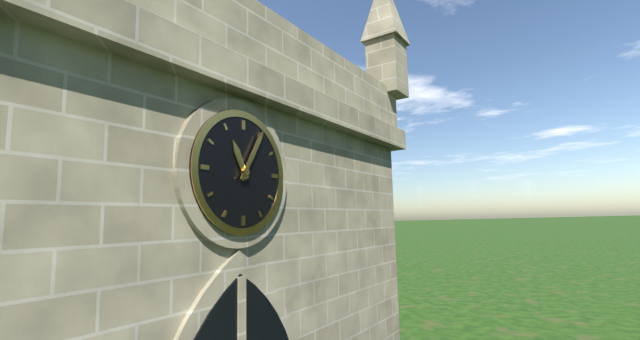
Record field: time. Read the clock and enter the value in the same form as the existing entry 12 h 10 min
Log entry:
11 h 05 min
